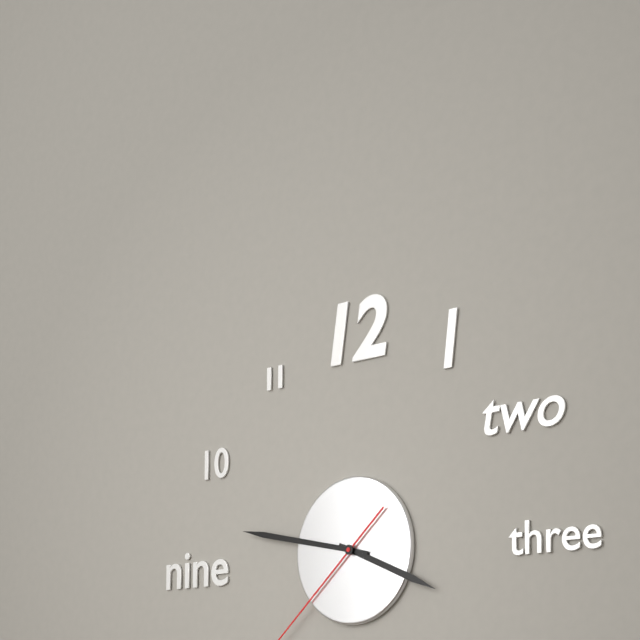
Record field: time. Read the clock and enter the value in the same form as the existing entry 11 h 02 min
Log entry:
3 h 47 min
